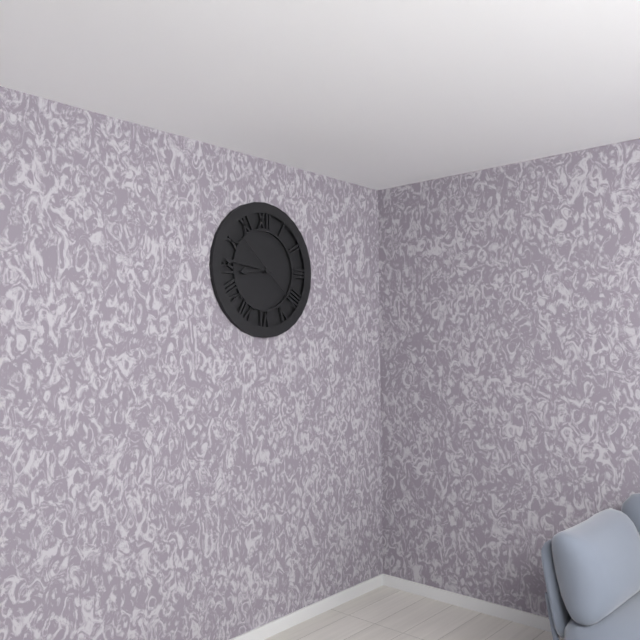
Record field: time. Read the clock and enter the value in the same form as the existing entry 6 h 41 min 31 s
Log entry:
8 h 46 min 22 s
